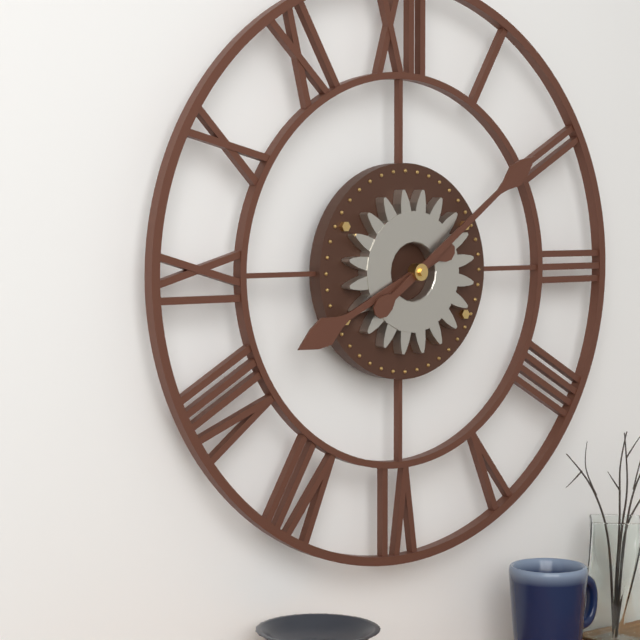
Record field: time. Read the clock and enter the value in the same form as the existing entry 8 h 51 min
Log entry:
8 h 09 min
